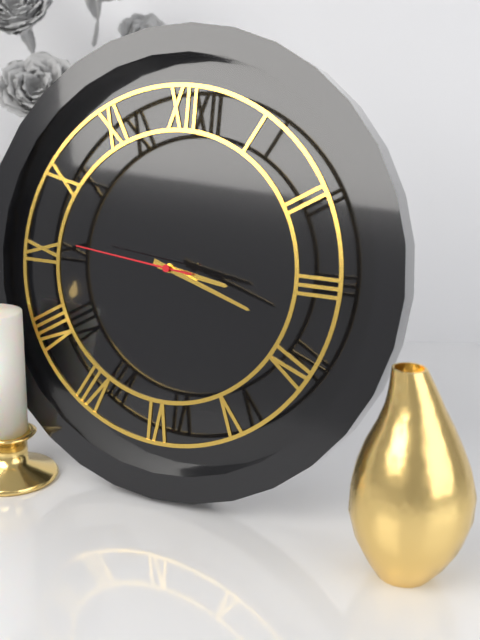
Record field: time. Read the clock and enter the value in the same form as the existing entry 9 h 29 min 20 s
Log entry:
3 h 18 min 46 s
